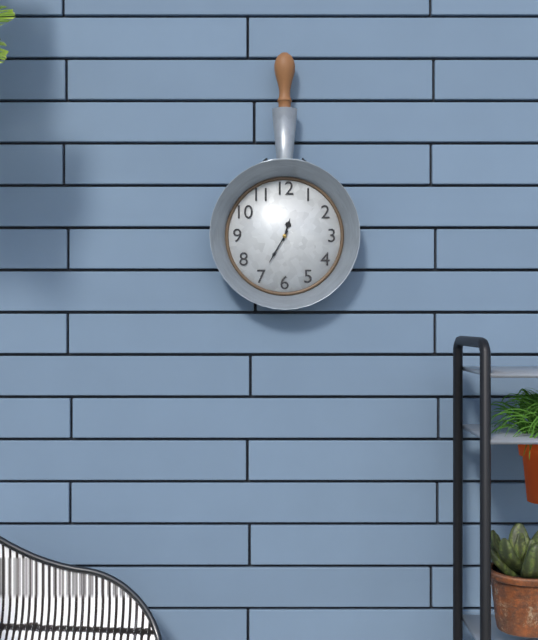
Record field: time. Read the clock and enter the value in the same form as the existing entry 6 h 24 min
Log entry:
12 h 35 min
